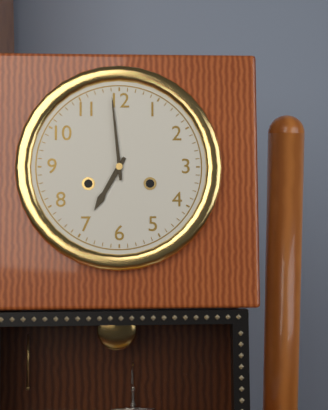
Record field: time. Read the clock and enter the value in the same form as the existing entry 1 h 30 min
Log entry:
6 h 59 min
